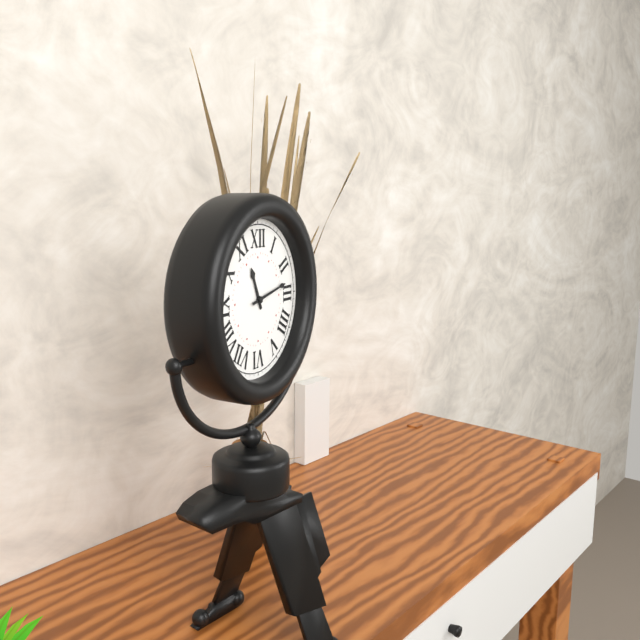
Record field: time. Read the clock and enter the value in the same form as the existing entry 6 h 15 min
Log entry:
11 h 13 min
